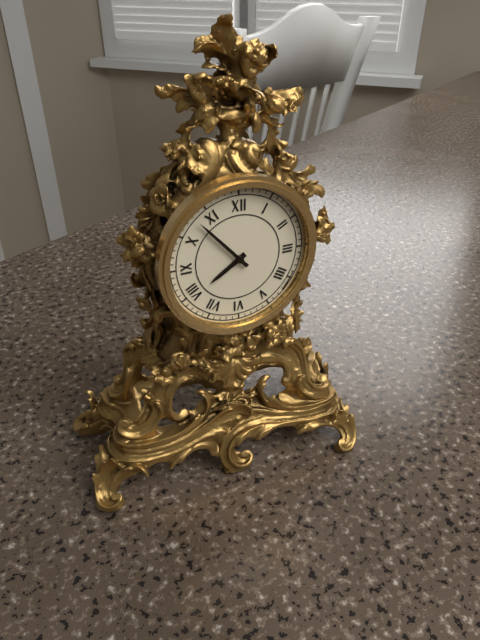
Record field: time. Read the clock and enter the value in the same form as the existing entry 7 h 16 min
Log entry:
7 h 53 min
